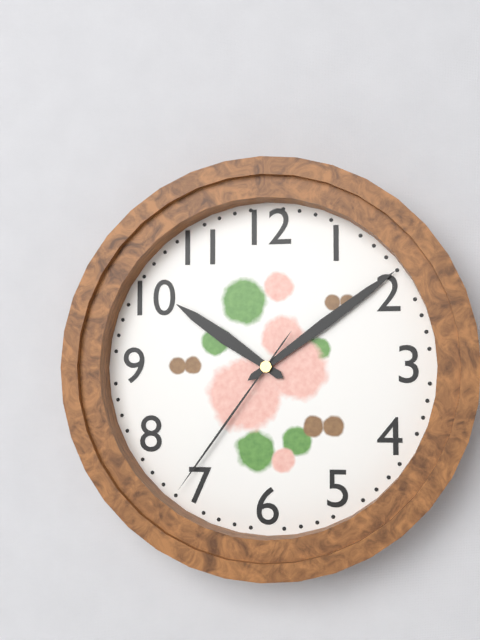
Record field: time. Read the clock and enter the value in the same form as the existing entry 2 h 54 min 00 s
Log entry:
10 h 09 min 36 s
